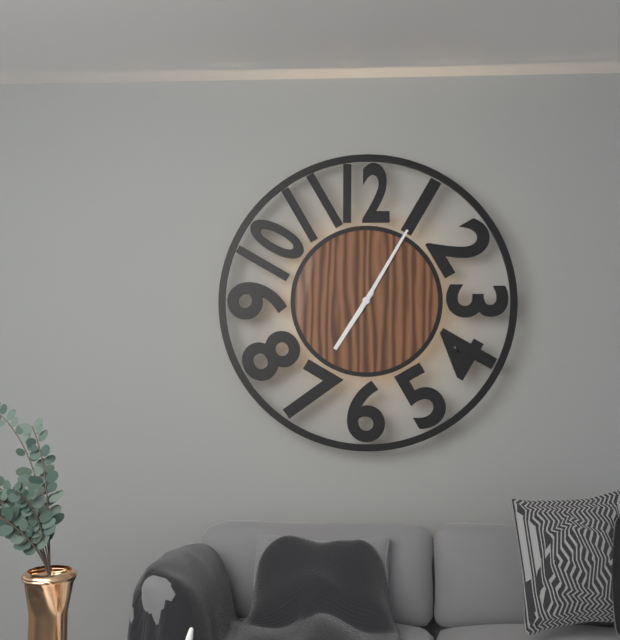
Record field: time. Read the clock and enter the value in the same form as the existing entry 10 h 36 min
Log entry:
7 h 05 min
